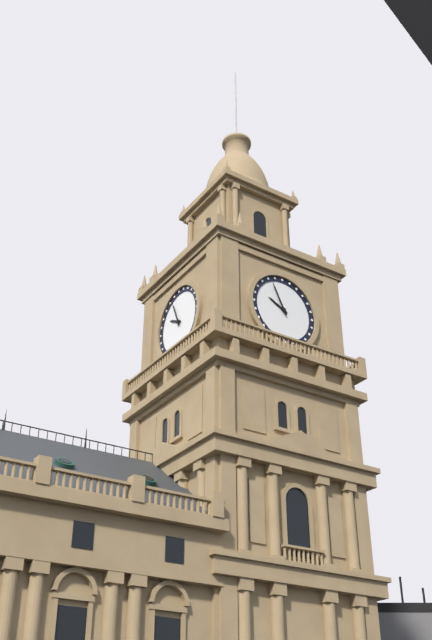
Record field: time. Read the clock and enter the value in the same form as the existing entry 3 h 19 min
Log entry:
9 h 56 min
